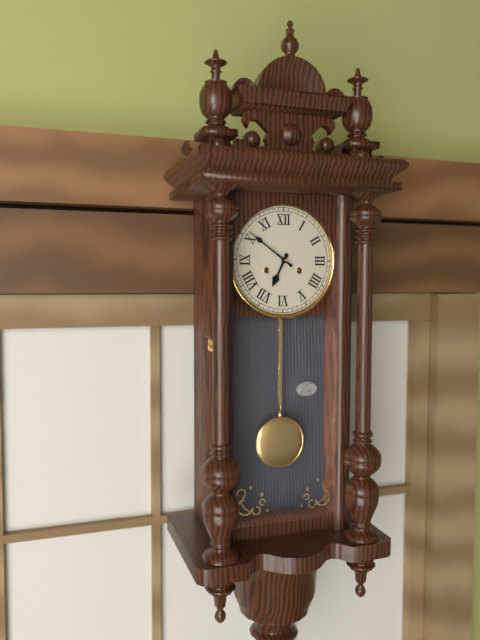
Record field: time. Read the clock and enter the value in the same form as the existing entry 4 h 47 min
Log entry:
6 h 51 min
